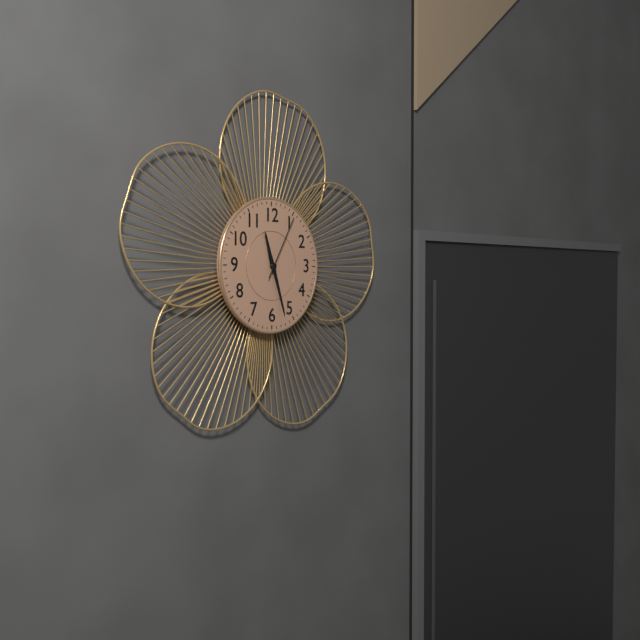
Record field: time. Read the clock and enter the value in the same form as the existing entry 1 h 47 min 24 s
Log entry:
11 h 27 min 05 s
